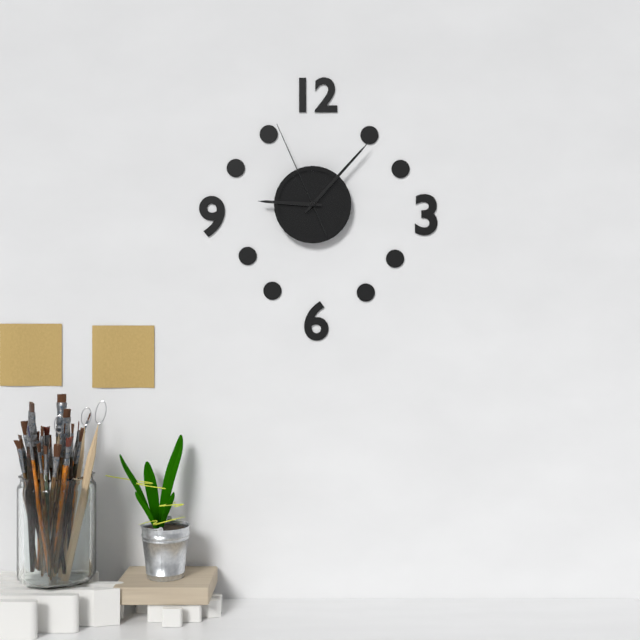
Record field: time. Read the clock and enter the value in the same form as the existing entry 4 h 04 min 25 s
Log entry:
9 h 07 min 56 s
